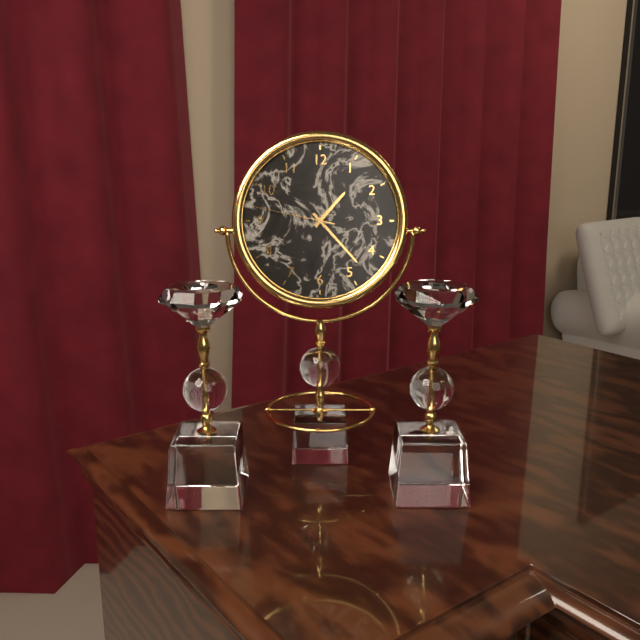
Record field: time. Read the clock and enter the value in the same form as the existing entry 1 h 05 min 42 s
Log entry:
1 h 23 min 47 s
